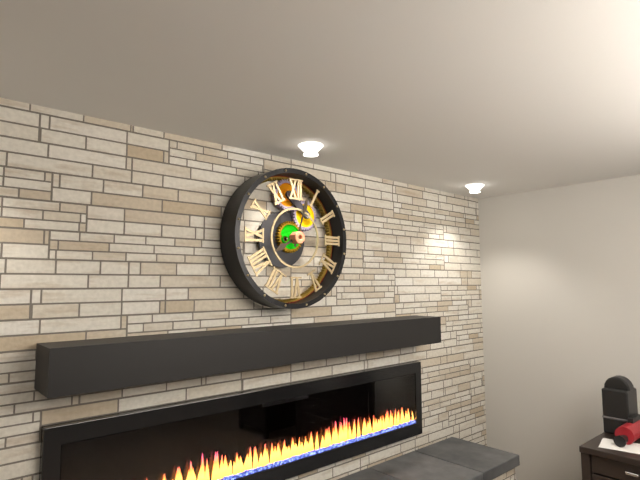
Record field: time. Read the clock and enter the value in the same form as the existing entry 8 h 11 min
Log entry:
8 h 03 min
